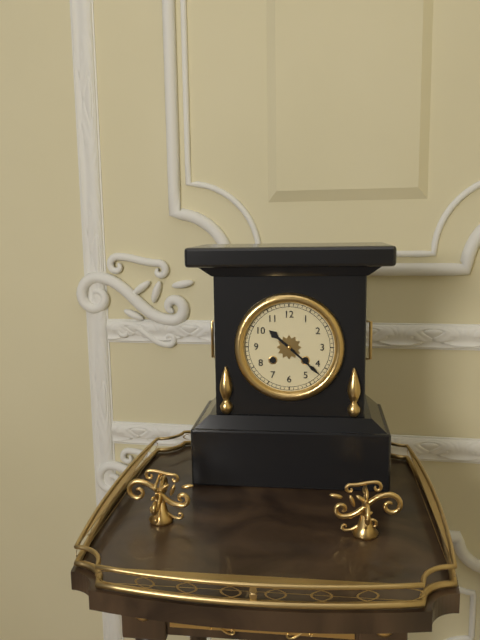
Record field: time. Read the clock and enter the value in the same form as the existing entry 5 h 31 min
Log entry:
10 h 22 min
